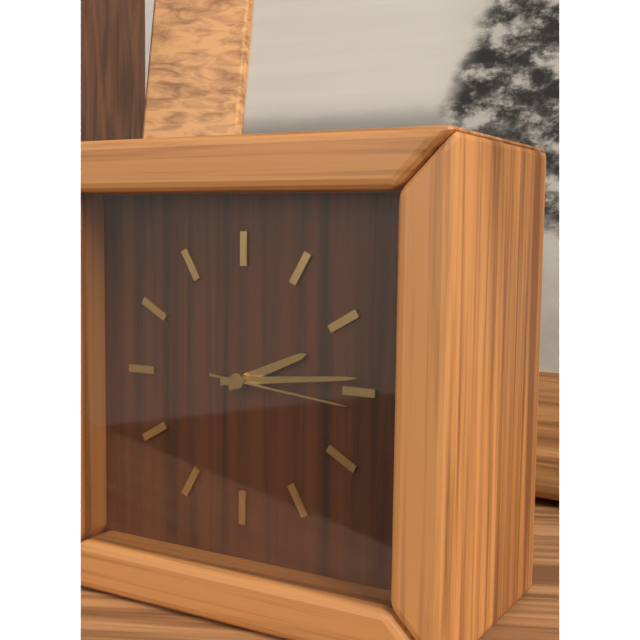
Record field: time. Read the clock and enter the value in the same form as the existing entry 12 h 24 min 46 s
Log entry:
2 h 14 min 16 s
